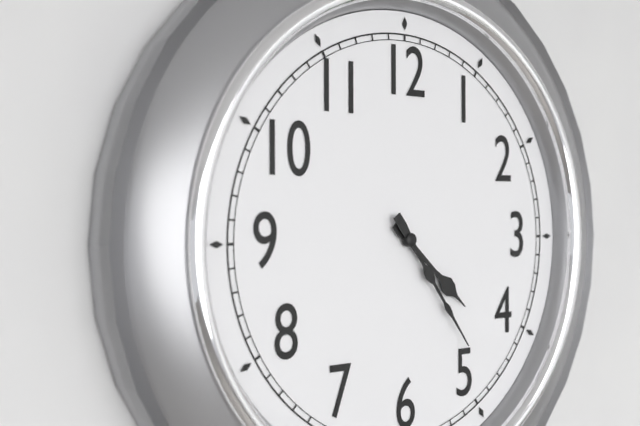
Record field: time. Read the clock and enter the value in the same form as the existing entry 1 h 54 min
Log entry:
4 h 24 min
